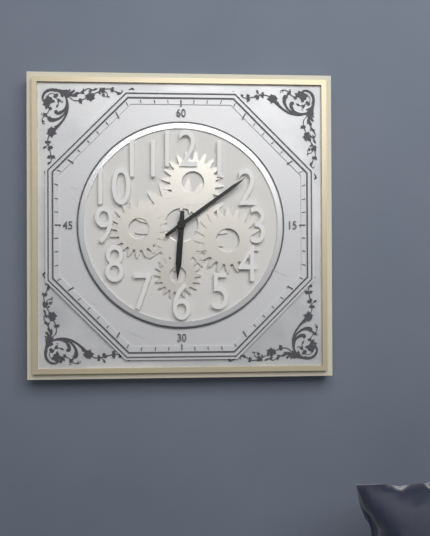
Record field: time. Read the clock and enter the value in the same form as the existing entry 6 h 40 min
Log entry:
6 h 09 min
